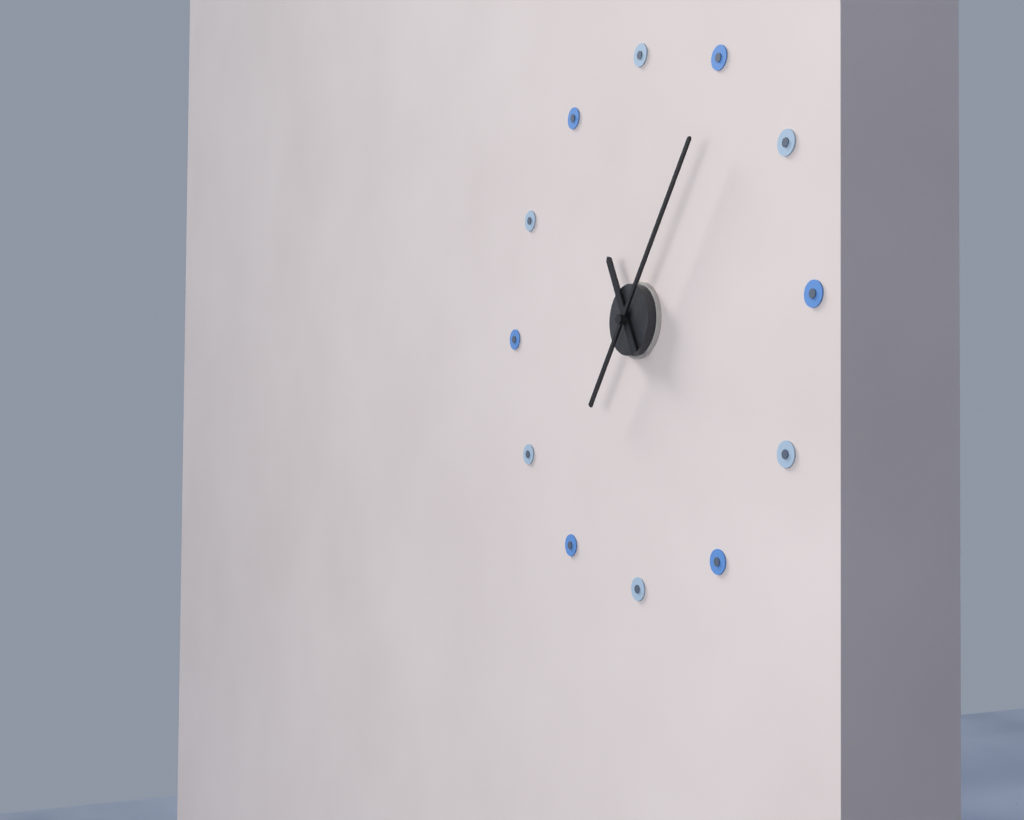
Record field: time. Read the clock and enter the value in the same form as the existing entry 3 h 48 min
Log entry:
11 h 06 min
